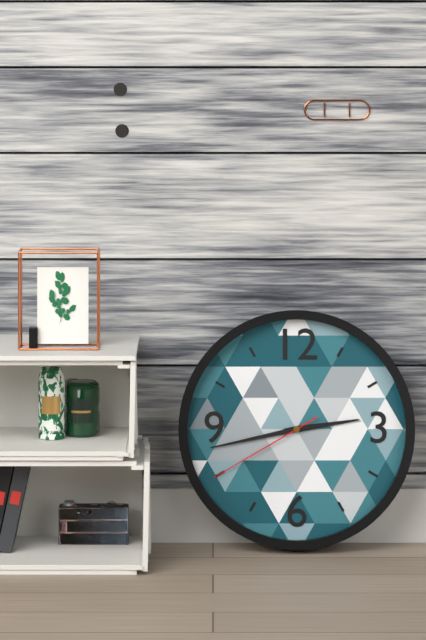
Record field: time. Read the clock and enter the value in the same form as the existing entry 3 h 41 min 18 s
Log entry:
2 h 43 min 40 s
